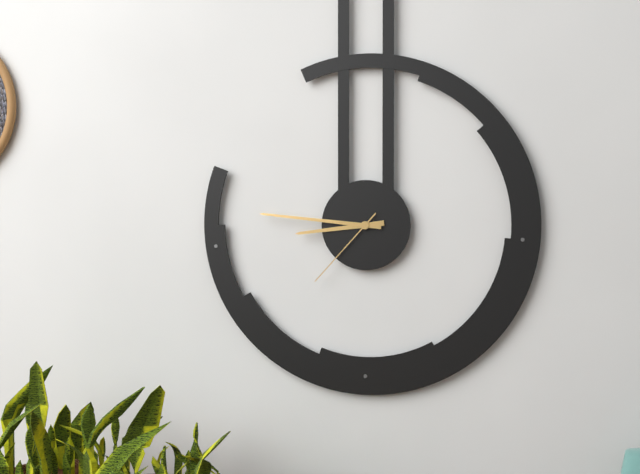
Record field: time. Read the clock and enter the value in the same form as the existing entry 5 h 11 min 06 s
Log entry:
8 h 46 min 37 s
